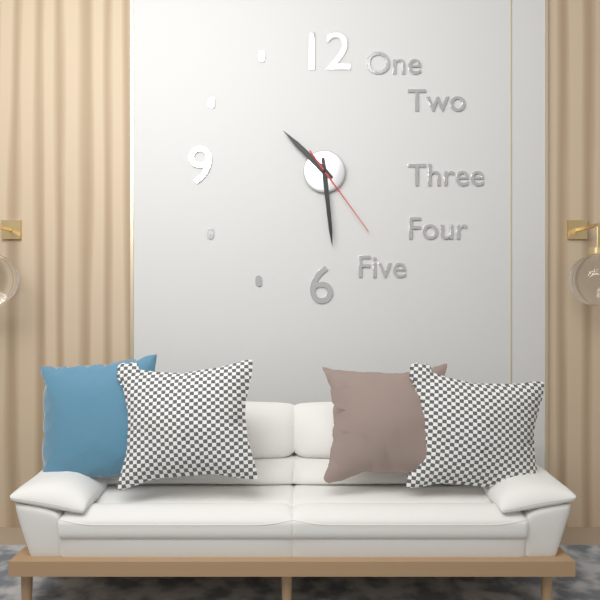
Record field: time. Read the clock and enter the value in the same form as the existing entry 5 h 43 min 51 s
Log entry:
10 h 29 min 24 s
